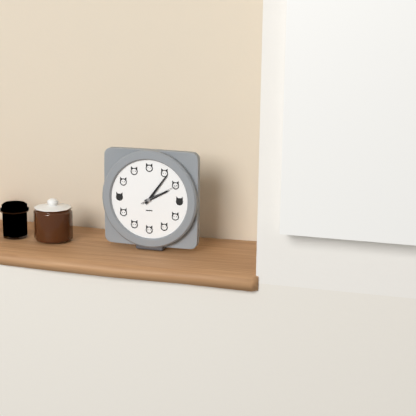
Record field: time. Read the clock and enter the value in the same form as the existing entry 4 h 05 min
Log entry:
2 h 06 min
